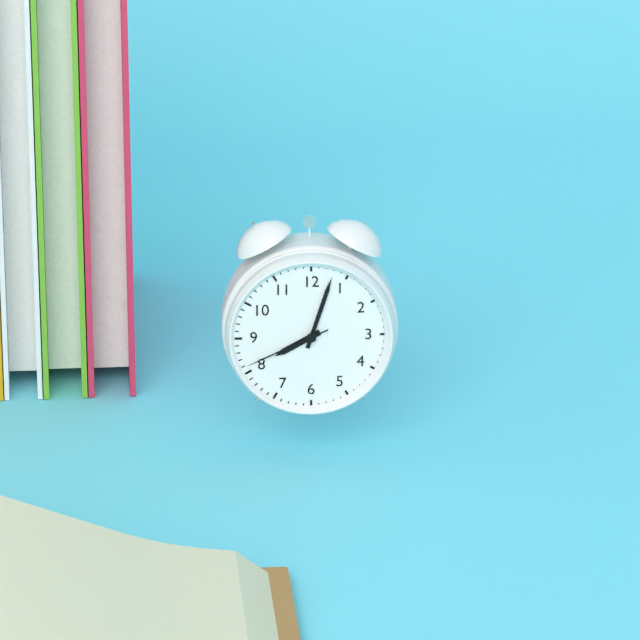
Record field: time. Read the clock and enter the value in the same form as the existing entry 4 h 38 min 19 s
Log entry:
8 h 03 min 41 s
